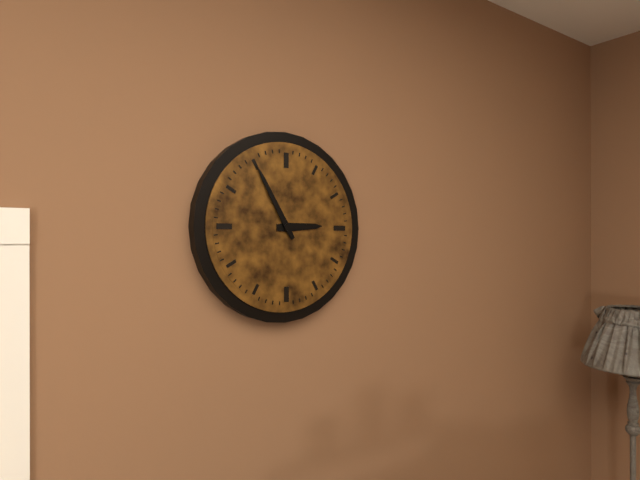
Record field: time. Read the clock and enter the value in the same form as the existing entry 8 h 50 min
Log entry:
2 h 55 min
